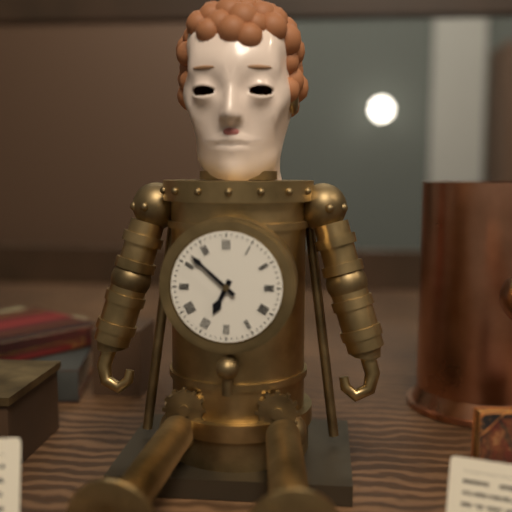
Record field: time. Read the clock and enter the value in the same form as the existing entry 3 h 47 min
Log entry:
6 h 52 min
